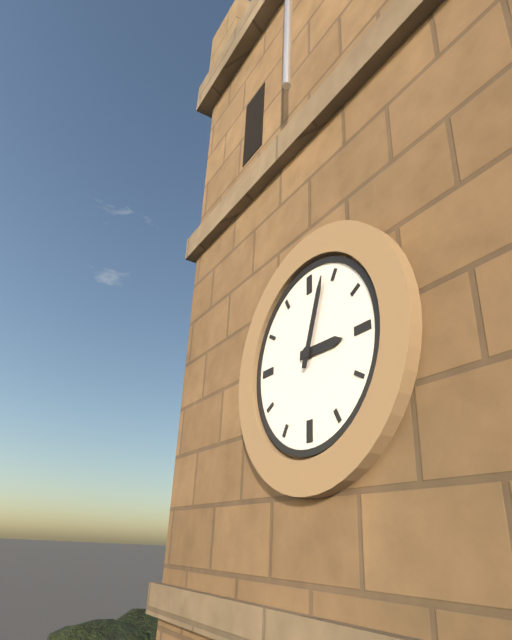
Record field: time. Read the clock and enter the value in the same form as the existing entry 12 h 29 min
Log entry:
3 h 03 min
